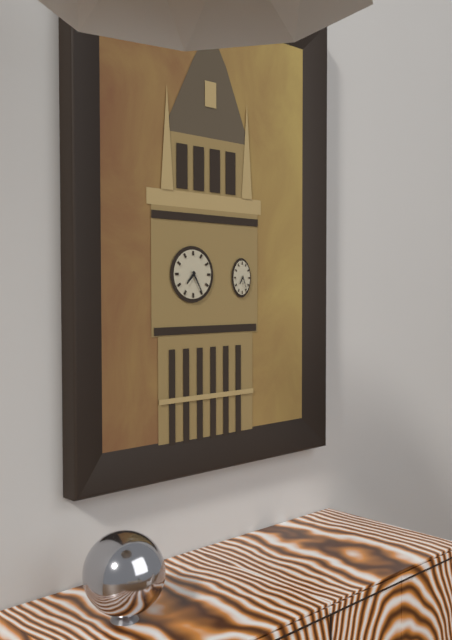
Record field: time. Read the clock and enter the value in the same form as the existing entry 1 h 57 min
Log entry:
7 h 25 min
